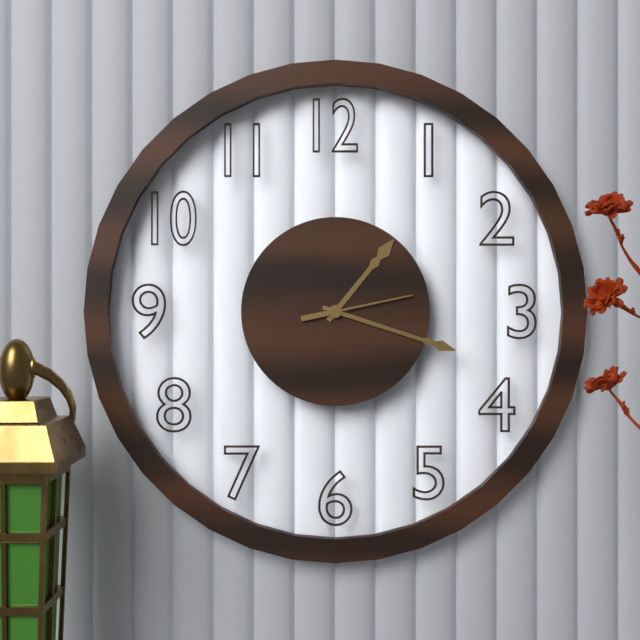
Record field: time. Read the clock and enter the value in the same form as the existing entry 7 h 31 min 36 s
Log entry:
1 h 18 min 13 s
